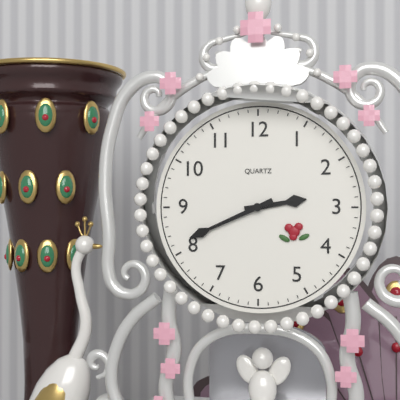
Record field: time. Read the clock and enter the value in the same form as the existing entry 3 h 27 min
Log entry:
2 h 41 min
